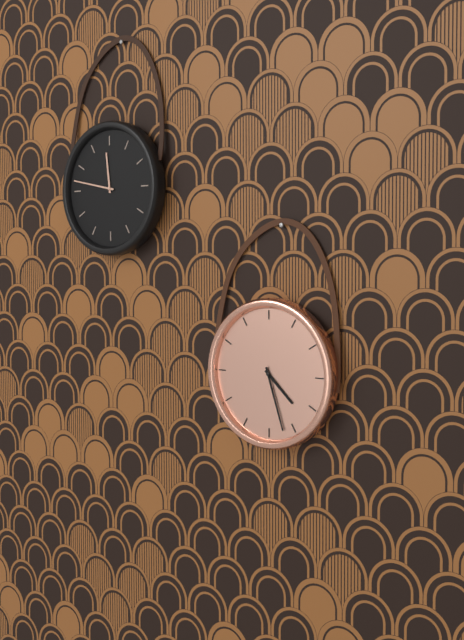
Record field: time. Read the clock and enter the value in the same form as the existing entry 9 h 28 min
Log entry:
4 h 27 min
